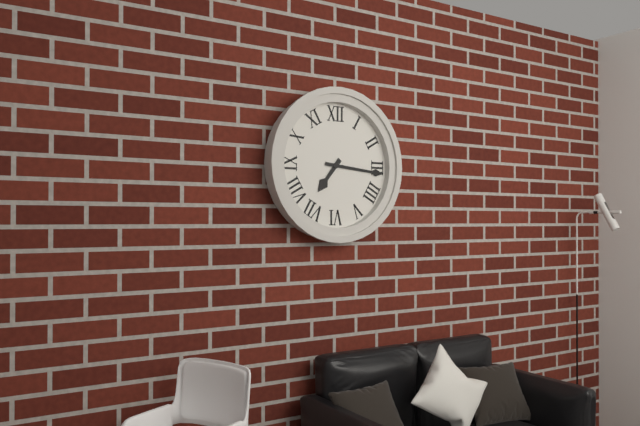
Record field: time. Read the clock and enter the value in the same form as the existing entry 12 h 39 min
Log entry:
7 h 16 min
